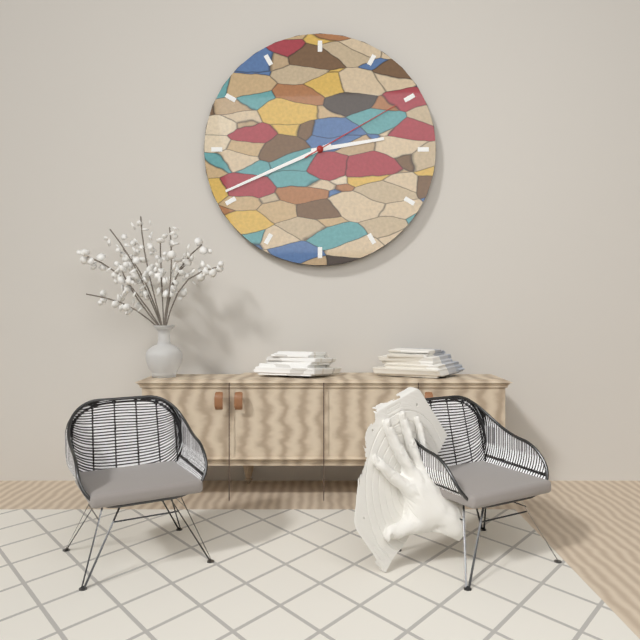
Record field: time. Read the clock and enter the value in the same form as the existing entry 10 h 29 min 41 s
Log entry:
2 h 41 min 10 s
